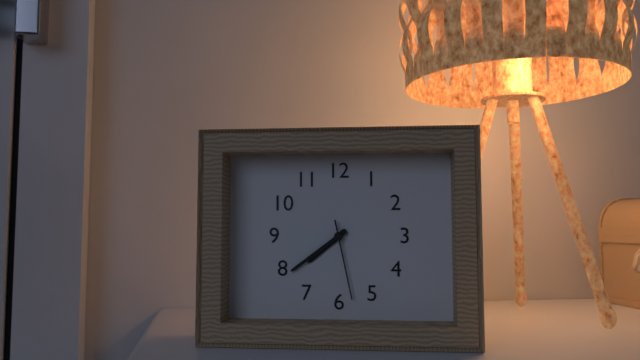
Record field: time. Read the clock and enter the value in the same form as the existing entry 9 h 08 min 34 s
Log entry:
7 h 39 min 28 s
